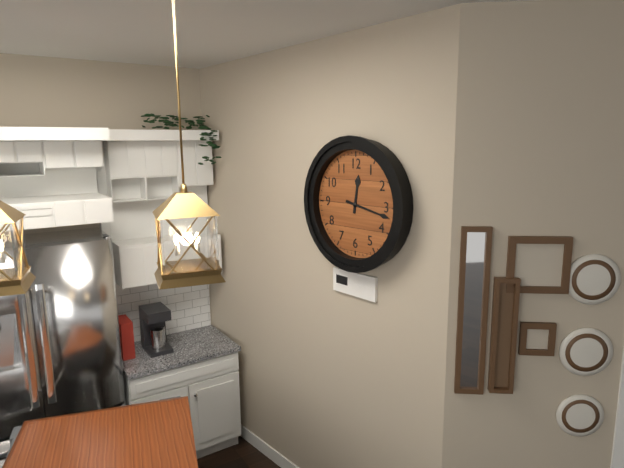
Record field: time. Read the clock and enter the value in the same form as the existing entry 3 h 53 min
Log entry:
12 h 17 min
